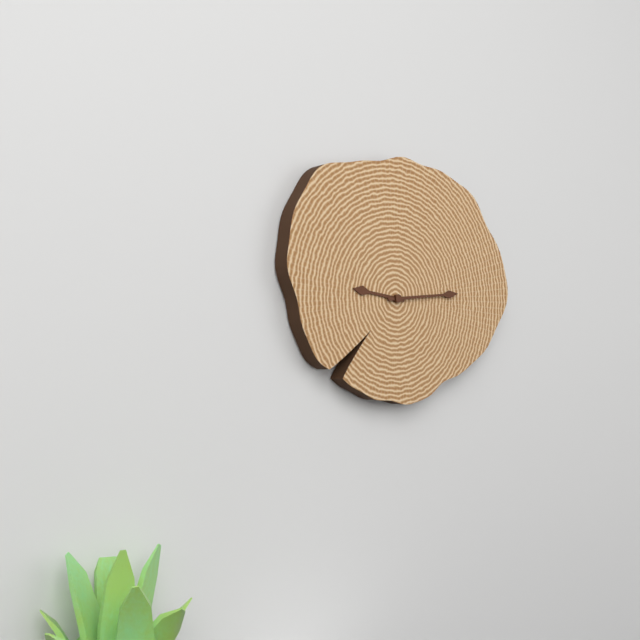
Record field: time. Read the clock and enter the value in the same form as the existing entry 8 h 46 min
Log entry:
9 h 14 min
